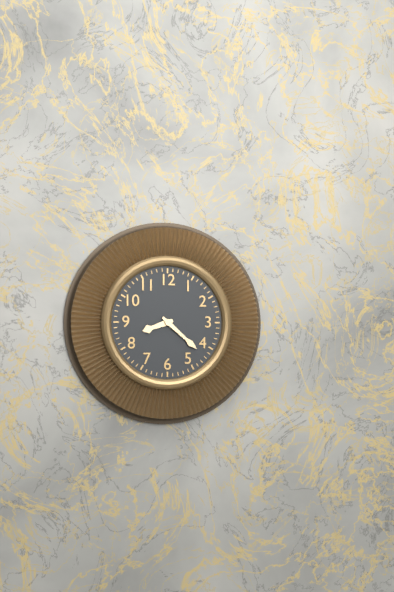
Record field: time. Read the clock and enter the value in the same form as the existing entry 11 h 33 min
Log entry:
8 h 22 min
